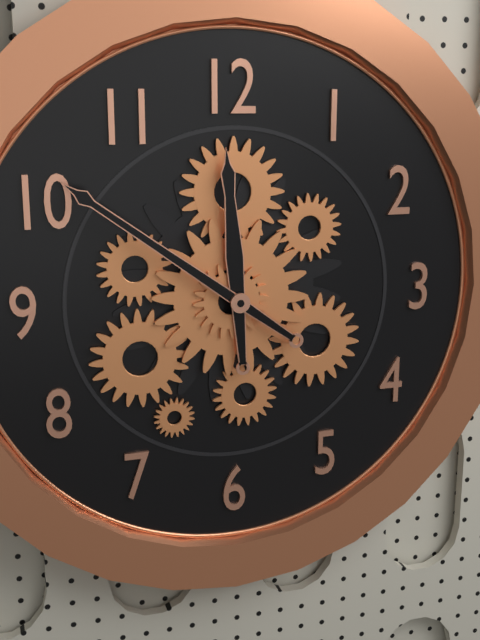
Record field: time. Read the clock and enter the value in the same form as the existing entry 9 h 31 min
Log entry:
11 h 51 min
